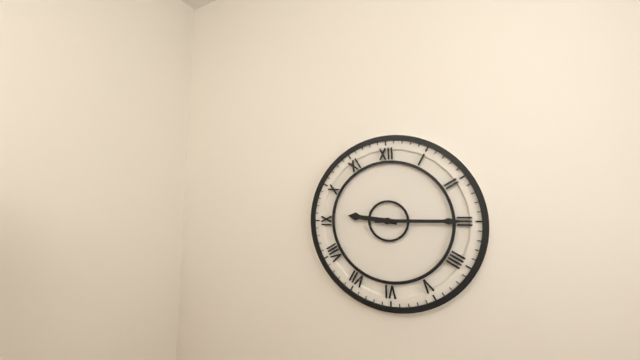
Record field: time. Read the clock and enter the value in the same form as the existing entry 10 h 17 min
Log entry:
9 h 15 min
